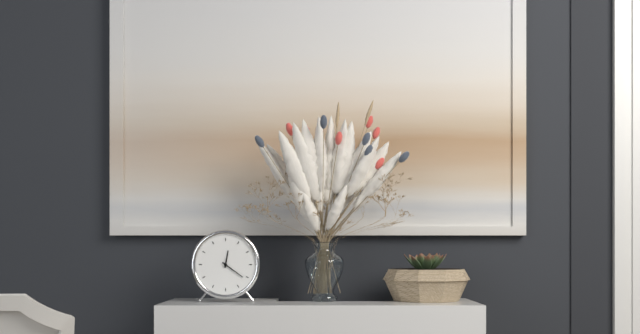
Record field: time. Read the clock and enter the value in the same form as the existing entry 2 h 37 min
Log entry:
12 h 21 min
